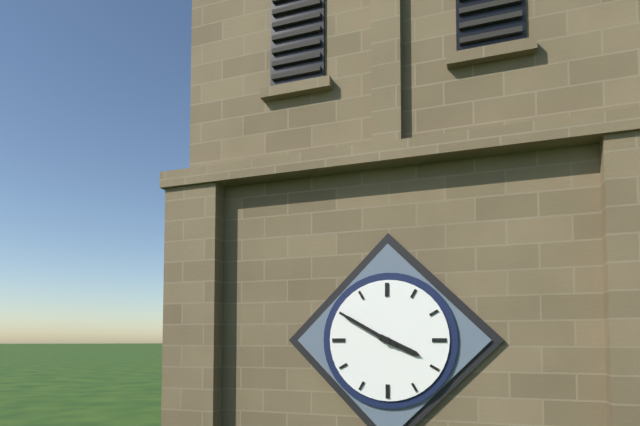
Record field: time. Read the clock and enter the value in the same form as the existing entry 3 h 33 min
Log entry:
3 h 50 min
